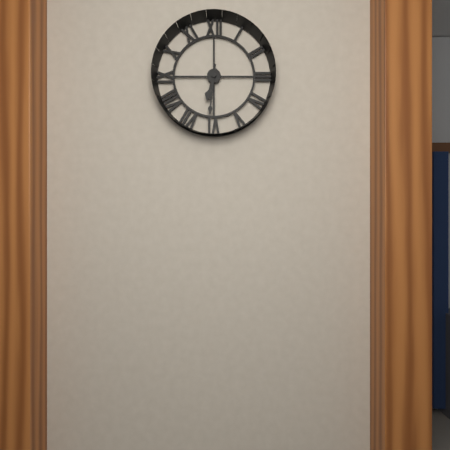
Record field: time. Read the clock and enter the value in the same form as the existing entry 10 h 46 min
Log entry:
6 h 31 min
